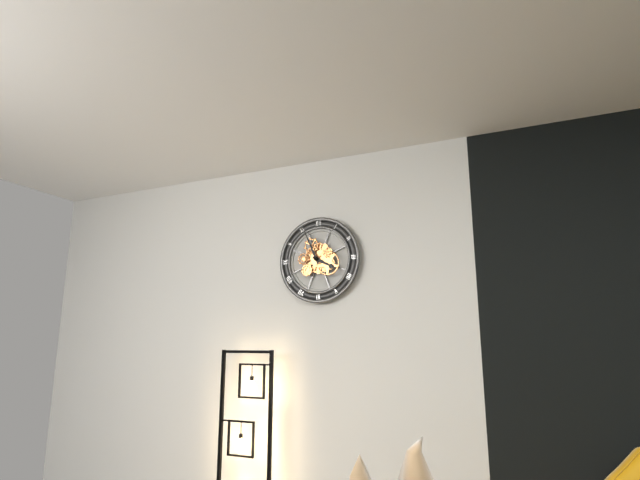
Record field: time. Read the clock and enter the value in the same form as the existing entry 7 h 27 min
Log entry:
3 h 56 min
